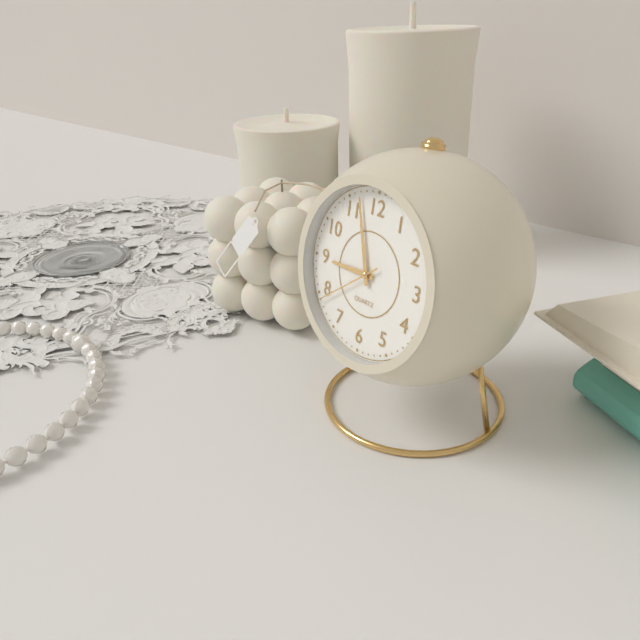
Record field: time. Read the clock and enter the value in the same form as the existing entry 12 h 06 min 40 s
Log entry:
8 h 57 min 39 s
